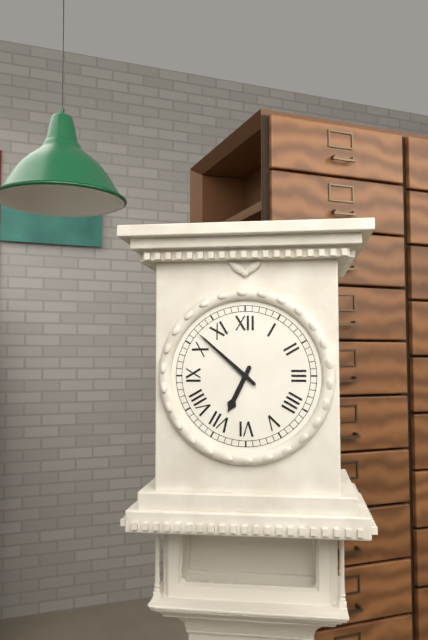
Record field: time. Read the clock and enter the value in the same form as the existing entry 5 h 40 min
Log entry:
6 h 52 min
